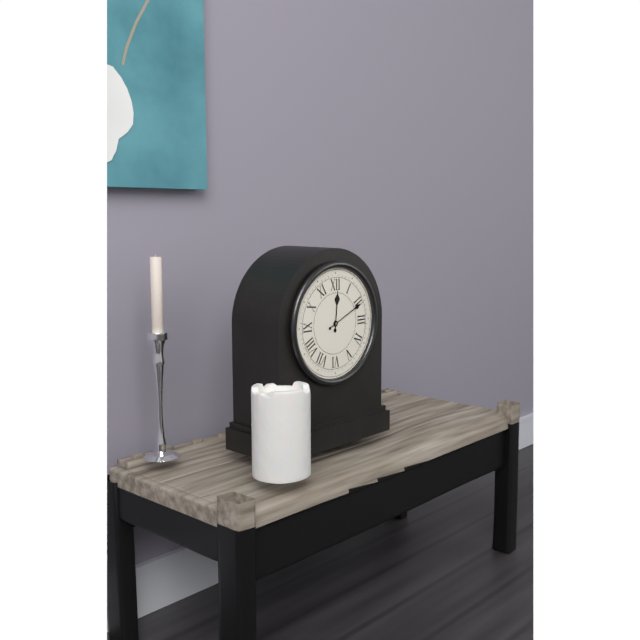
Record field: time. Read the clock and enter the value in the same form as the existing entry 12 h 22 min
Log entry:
12 h 11 min
